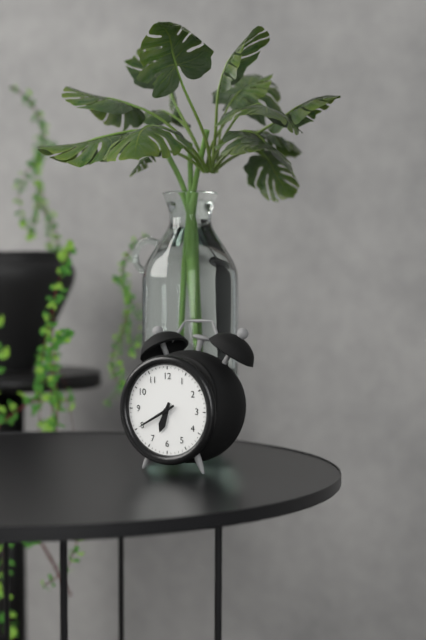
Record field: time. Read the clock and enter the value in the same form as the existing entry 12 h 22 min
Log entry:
6 h 40 min
